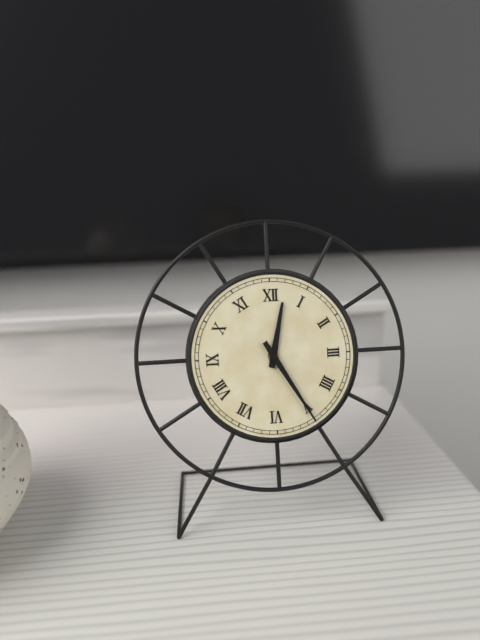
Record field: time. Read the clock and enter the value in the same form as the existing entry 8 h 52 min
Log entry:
12 h 25 min
